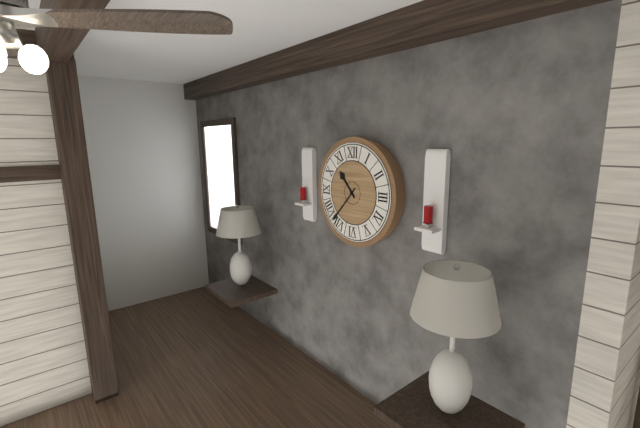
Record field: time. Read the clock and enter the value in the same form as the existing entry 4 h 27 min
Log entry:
10 h 37 min
